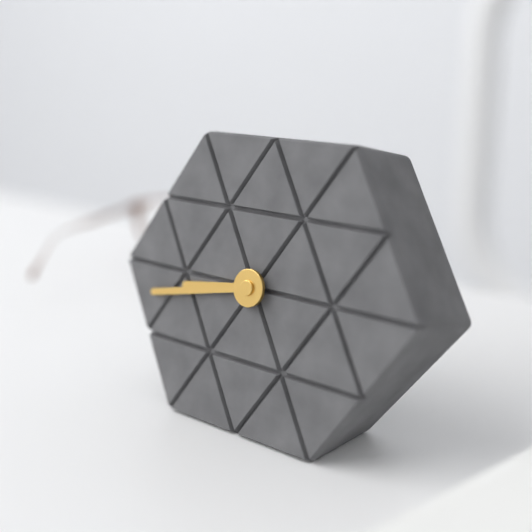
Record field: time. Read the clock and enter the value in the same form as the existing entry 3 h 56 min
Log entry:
8 h 43 min
